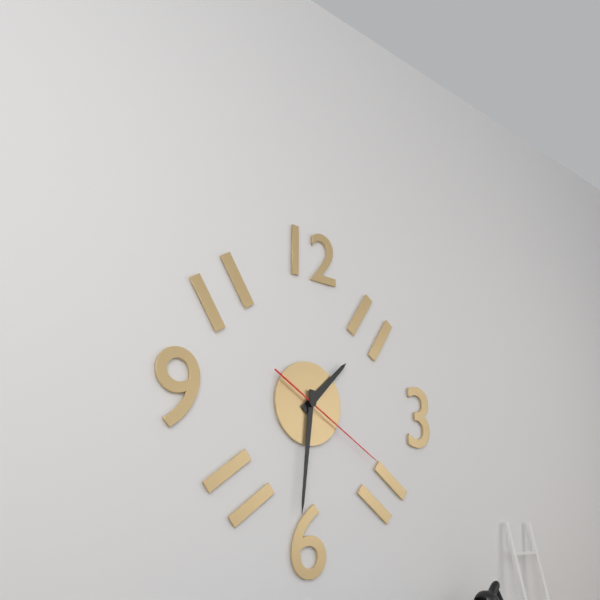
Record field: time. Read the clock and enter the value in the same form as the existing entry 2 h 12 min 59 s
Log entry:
1 h 31 min 20 s
